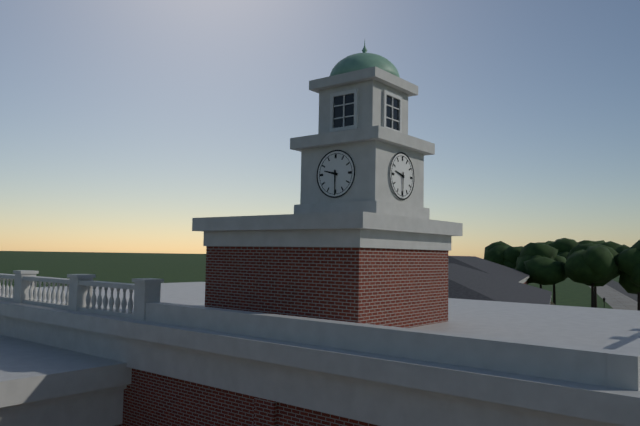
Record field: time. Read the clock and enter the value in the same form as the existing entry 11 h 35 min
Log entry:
9 h 30 min
